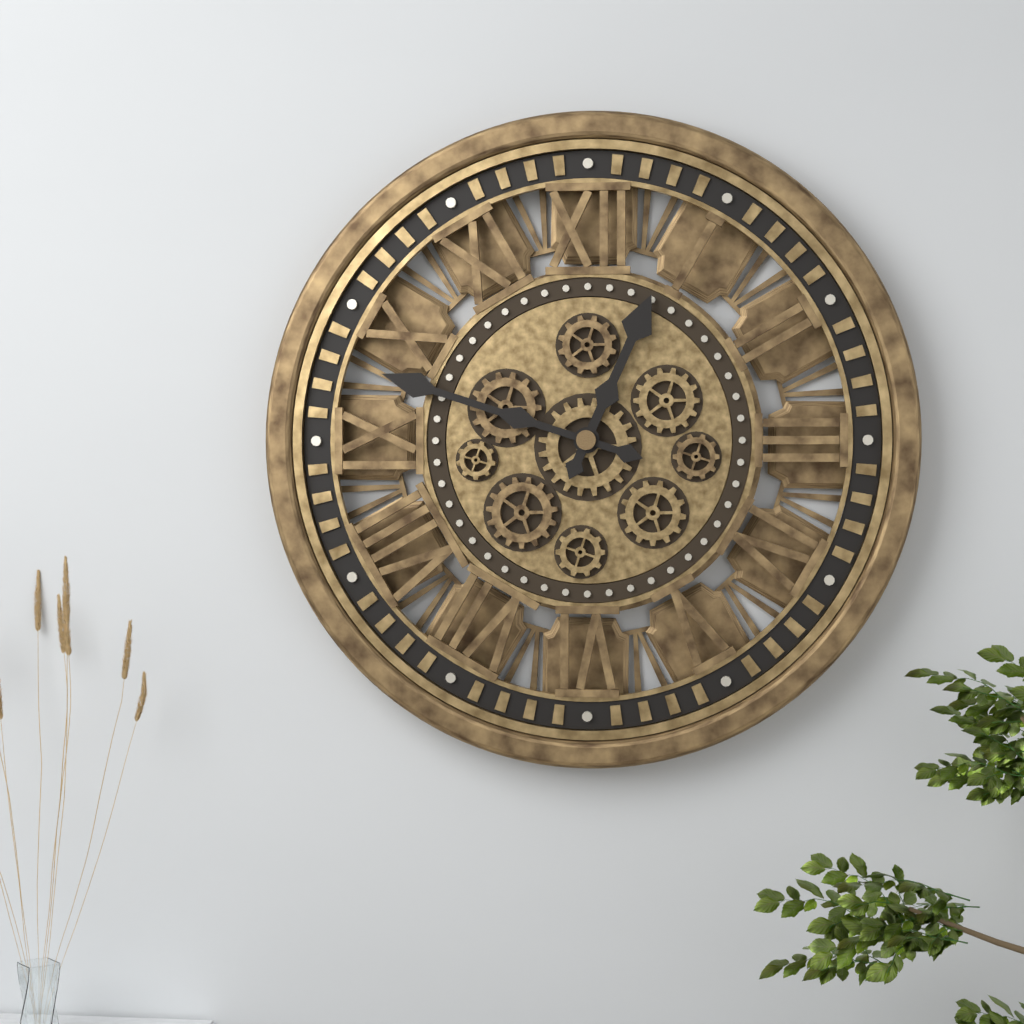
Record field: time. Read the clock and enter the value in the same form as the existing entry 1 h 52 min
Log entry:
12 h 48 min
